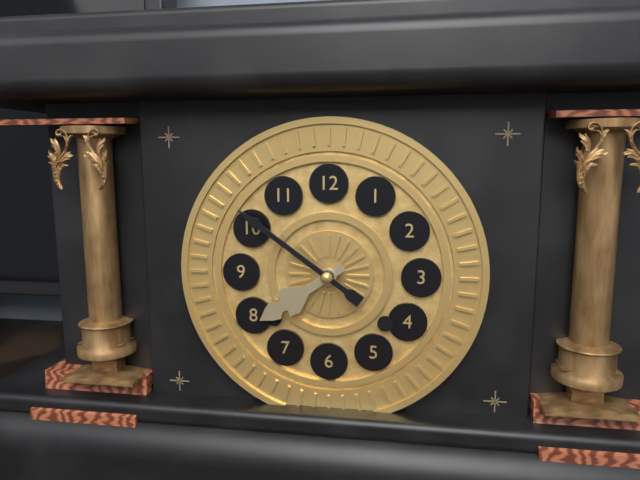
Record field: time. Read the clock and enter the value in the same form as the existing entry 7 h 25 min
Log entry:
7 h 51 min
